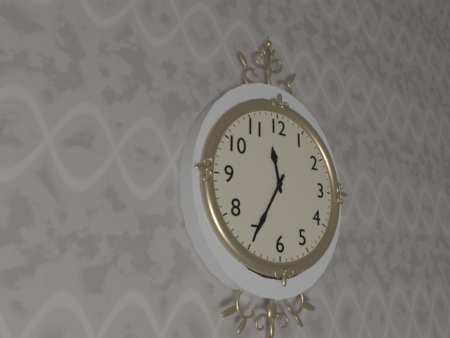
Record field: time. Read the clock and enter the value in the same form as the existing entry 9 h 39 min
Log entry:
11 h 35 min
